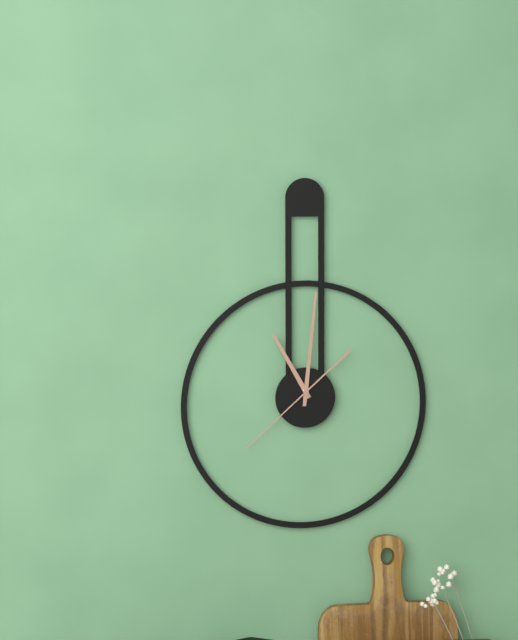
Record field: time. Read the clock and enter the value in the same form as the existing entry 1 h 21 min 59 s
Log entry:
11 h 01 min 38 s
